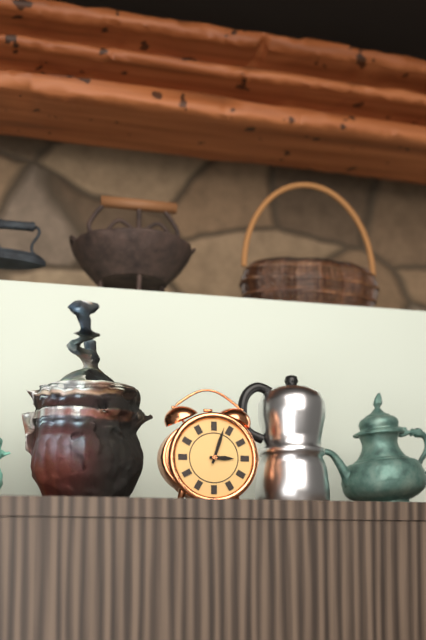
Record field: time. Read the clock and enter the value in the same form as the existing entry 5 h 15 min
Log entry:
3 h 03 min
